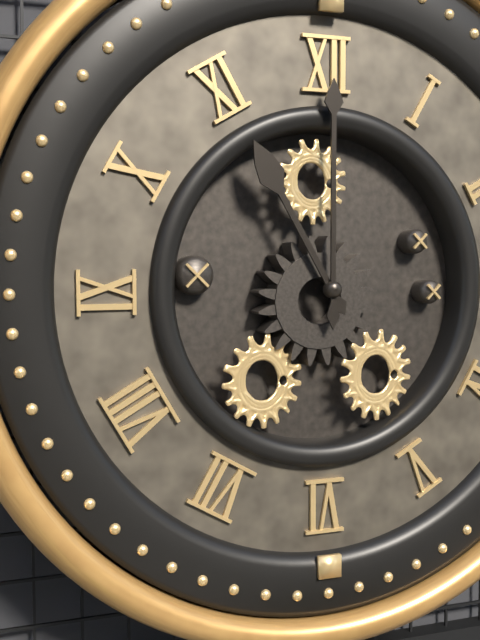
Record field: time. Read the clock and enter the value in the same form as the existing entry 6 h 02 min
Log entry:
11 h 00 min
